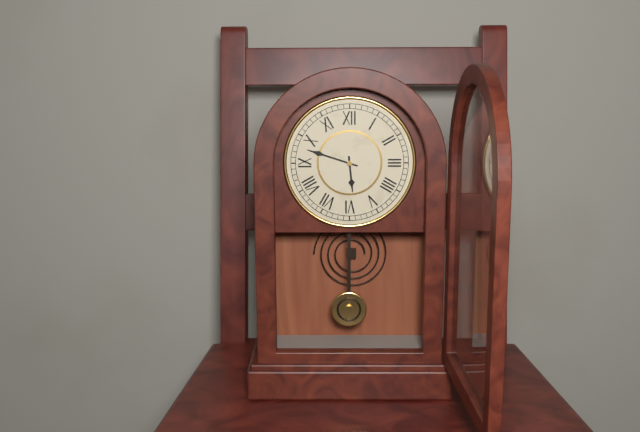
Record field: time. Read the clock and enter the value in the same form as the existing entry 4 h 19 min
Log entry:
5 h 48 min
